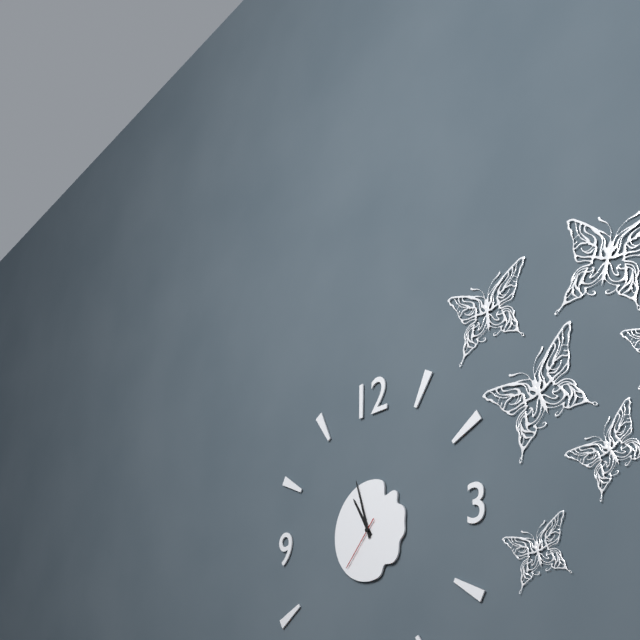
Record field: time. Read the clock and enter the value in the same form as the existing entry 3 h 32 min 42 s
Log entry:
10 h 57 min 37 s
